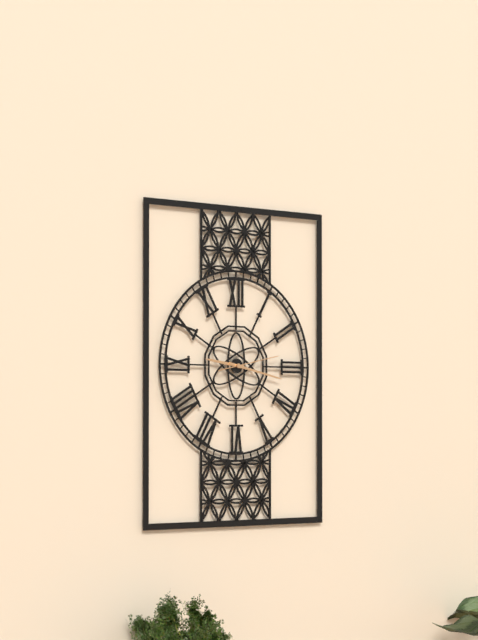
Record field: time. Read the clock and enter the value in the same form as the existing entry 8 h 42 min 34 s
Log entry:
9 h 17 min 13 s
